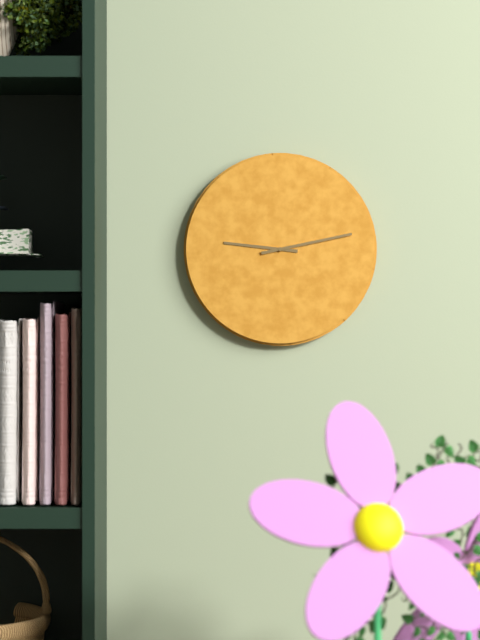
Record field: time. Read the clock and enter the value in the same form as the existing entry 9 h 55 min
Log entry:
9 h 13 min
